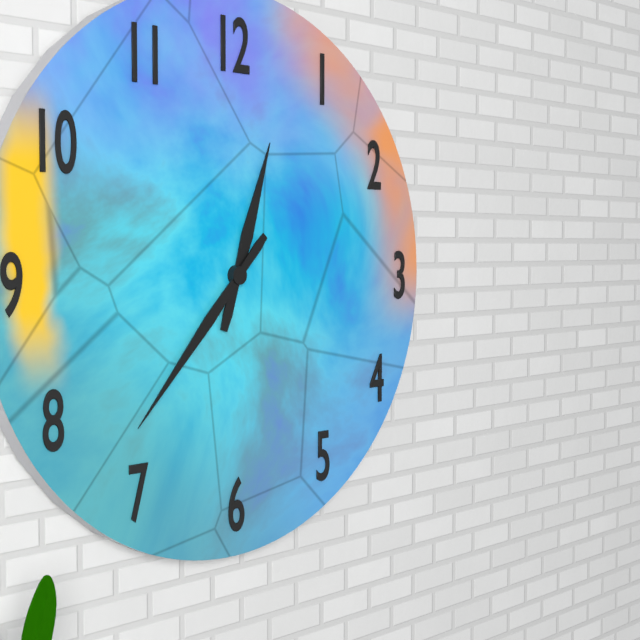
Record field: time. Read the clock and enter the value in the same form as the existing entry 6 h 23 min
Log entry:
12 h 37 min
